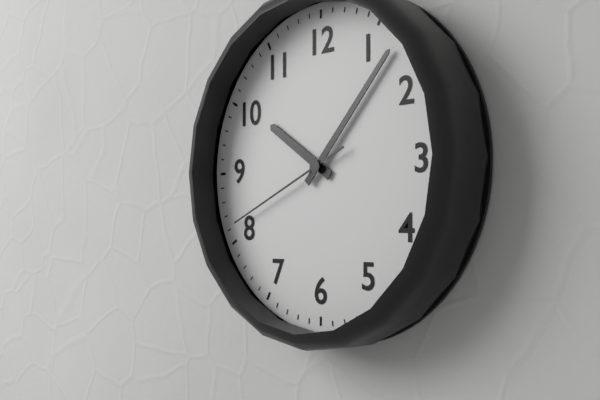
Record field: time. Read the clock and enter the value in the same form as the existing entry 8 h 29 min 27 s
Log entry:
10 h 07 min 41 s
